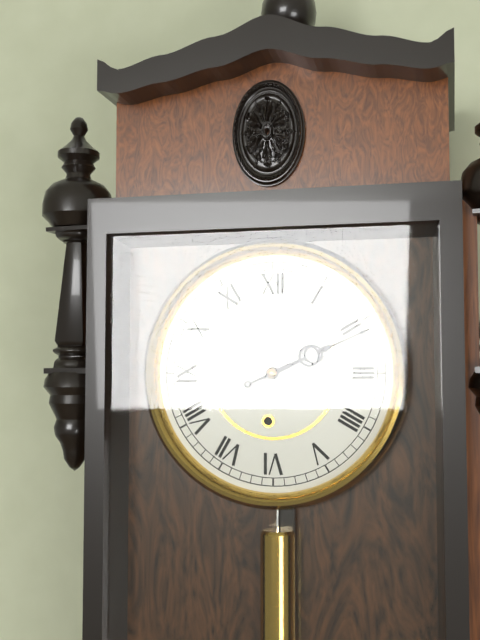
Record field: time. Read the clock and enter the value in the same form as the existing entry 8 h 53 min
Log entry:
2 h 11 min
